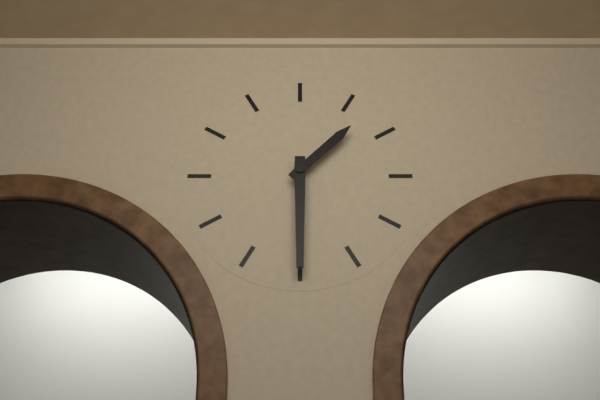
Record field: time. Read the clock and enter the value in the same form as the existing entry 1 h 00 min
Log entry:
1 h 30 min
